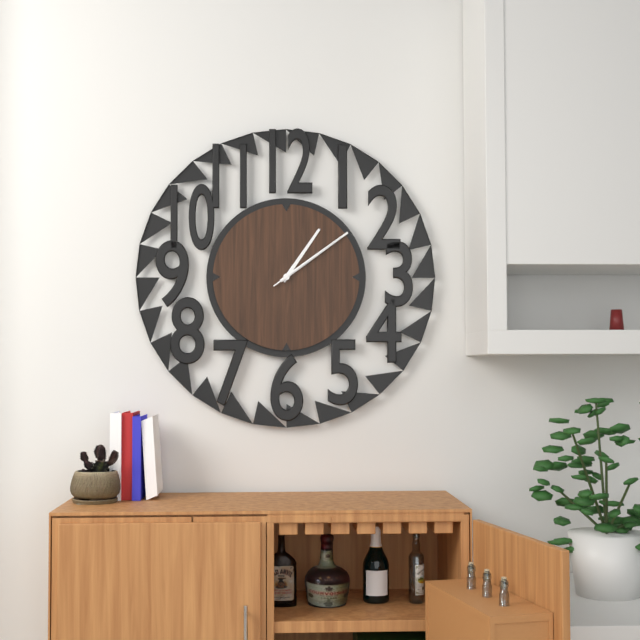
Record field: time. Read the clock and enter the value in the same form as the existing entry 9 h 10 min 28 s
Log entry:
1 h 09 min 09 s
